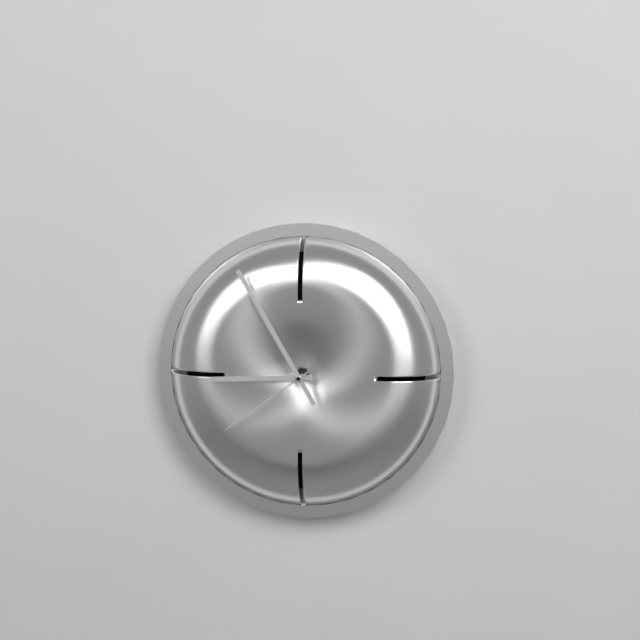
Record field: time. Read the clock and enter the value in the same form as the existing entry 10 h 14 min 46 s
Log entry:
8 h 55 min 39 s
